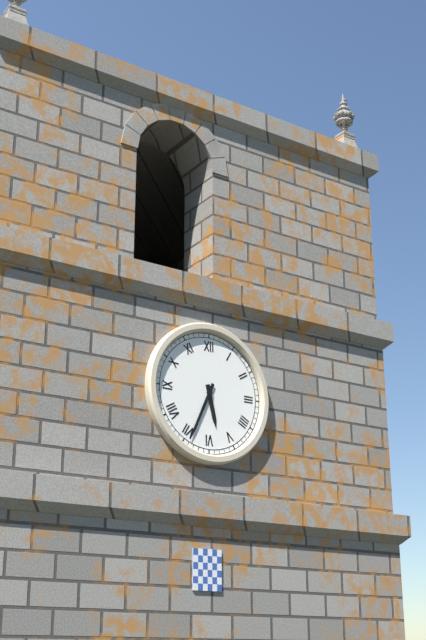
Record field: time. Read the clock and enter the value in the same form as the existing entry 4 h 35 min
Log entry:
5 h 34 min
